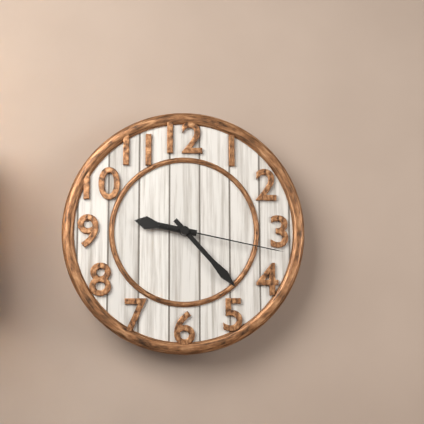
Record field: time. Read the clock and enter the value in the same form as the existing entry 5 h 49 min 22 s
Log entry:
9 h 23 min 17 s
